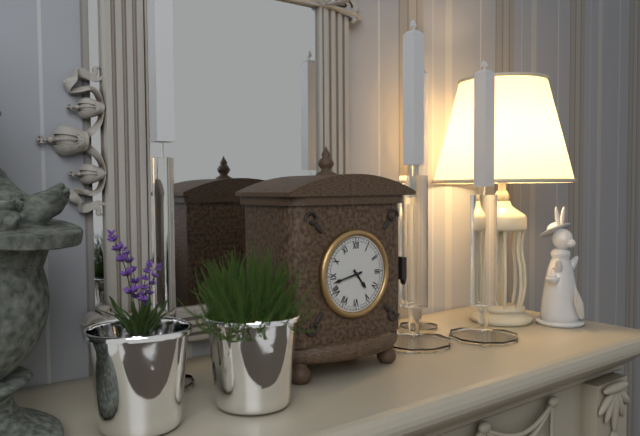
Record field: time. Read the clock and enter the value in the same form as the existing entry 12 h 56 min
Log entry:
4 h 43 min
